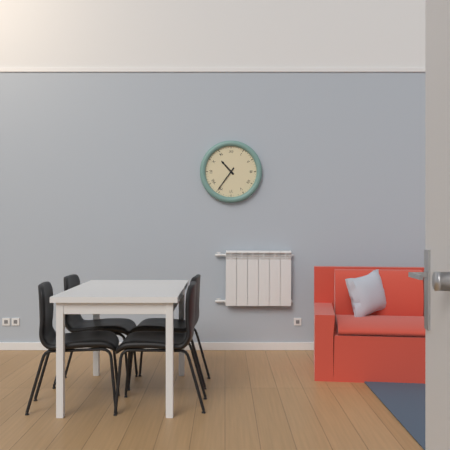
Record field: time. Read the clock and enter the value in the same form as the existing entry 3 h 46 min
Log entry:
10 h 36 min
